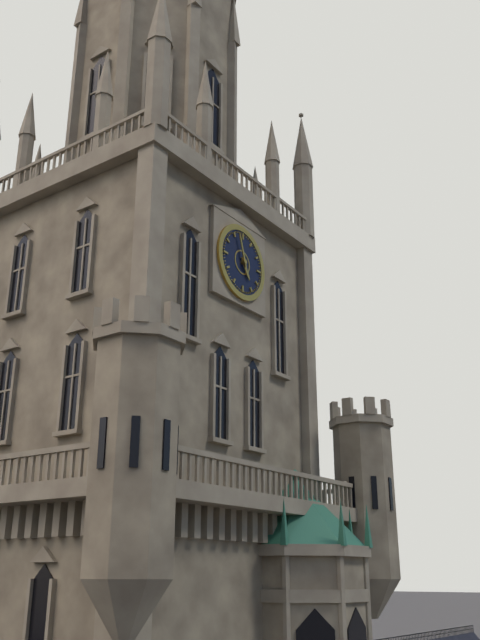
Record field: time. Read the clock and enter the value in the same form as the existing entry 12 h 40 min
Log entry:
4 h 57 min
